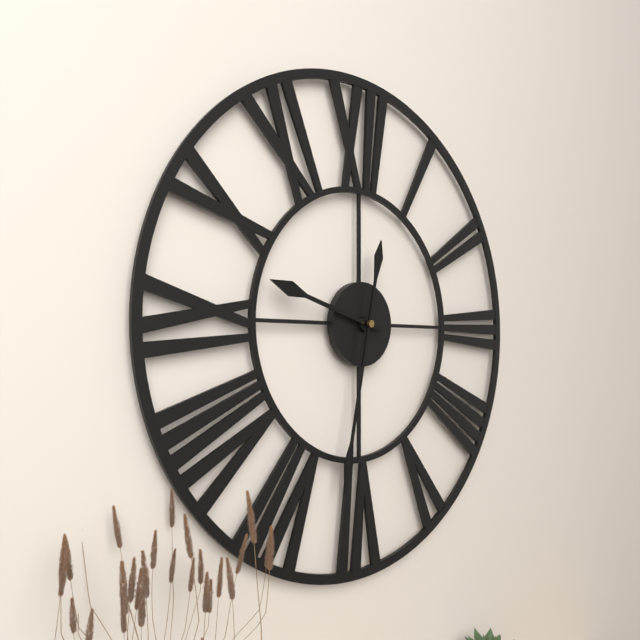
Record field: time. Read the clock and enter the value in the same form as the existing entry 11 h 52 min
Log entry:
9 h 32 min
